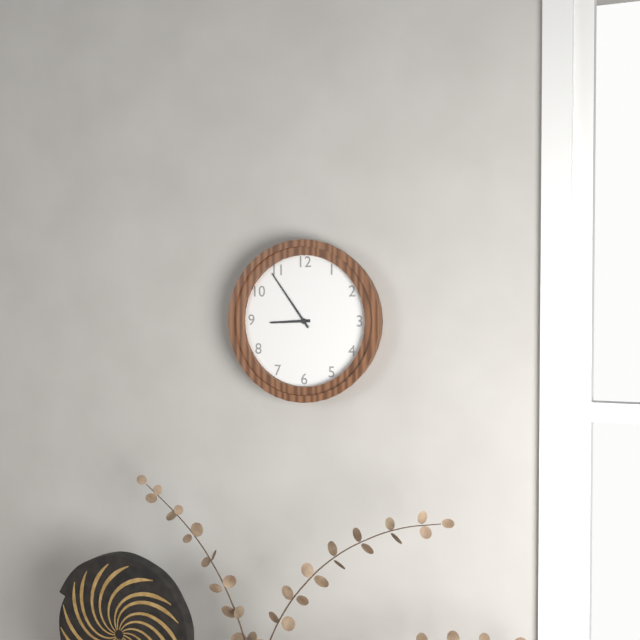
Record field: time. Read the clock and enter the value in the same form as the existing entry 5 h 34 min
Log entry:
8 h 54 min
